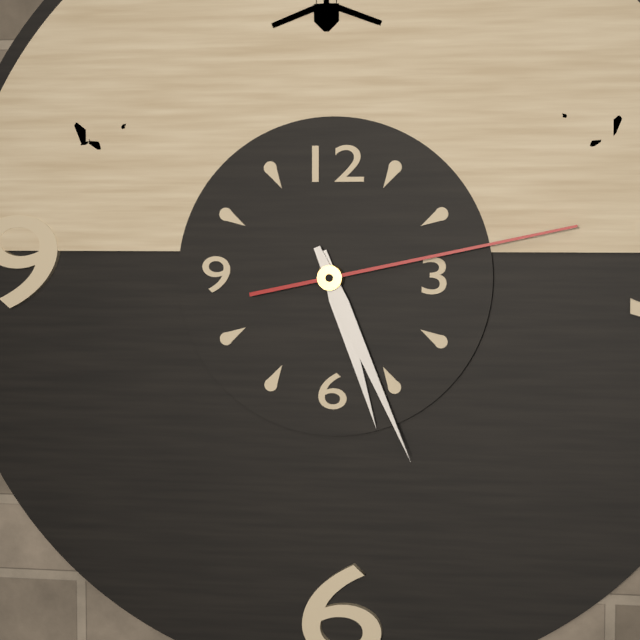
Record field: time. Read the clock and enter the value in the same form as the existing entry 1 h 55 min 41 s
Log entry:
5 h 26 min 13 s
